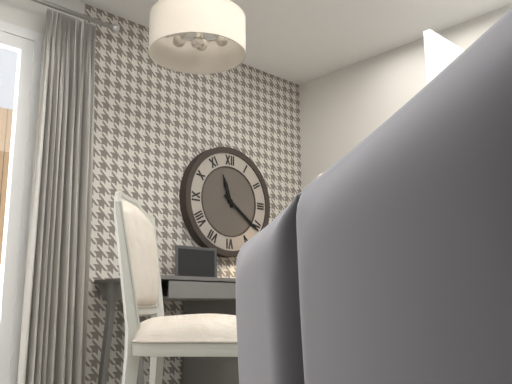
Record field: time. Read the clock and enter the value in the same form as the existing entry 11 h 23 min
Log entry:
11 h 21 min
